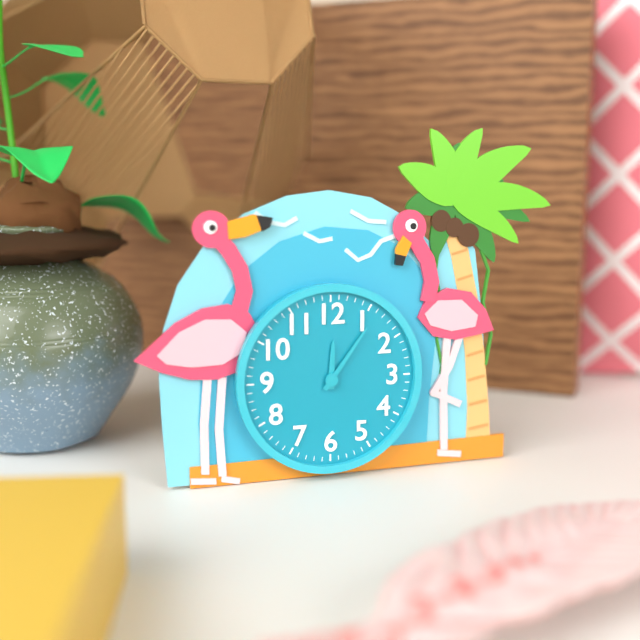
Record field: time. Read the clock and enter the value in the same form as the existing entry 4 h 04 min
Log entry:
12 h 06 min
